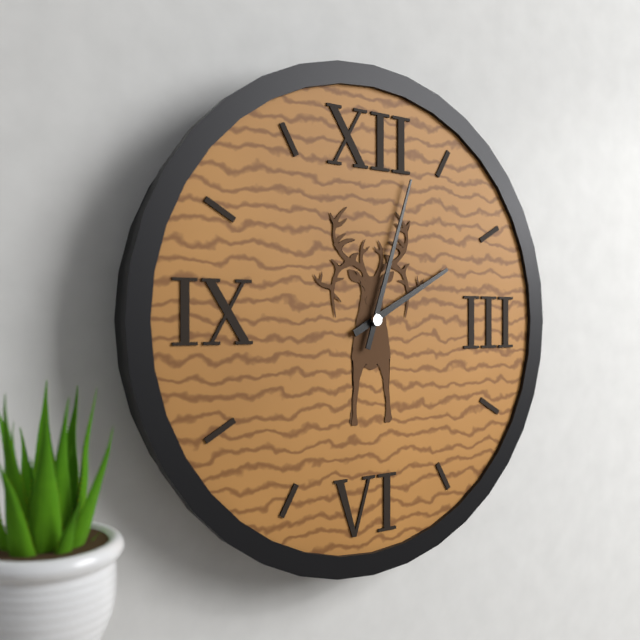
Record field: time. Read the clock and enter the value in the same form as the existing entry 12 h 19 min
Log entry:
2 h 03 min
